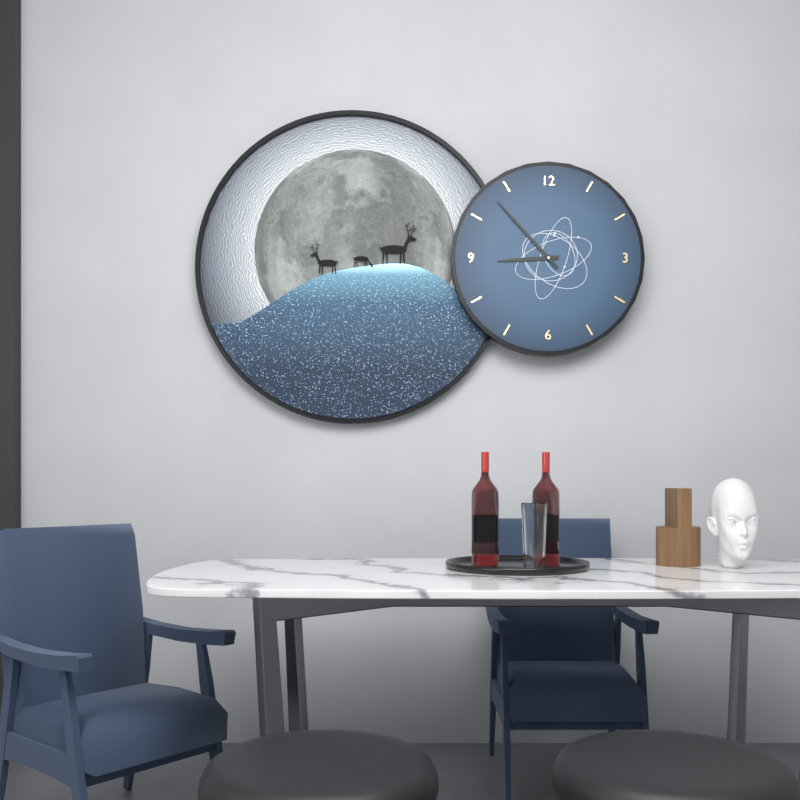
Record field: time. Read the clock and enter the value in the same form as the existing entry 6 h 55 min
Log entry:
8 h 53 min
